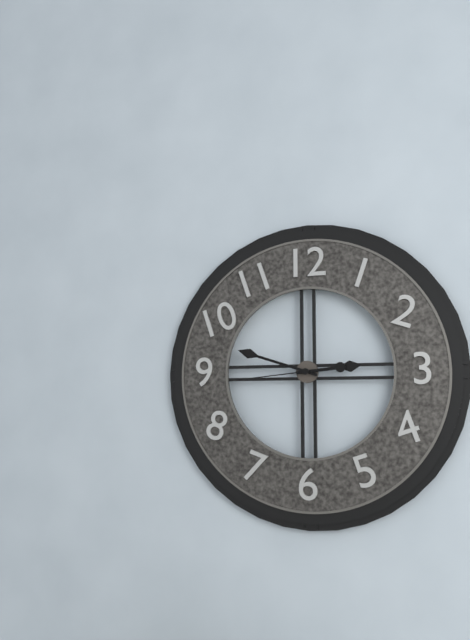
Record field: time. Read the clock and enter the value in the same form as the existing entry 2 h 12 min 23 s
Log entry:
2 h 48 min 44 s
